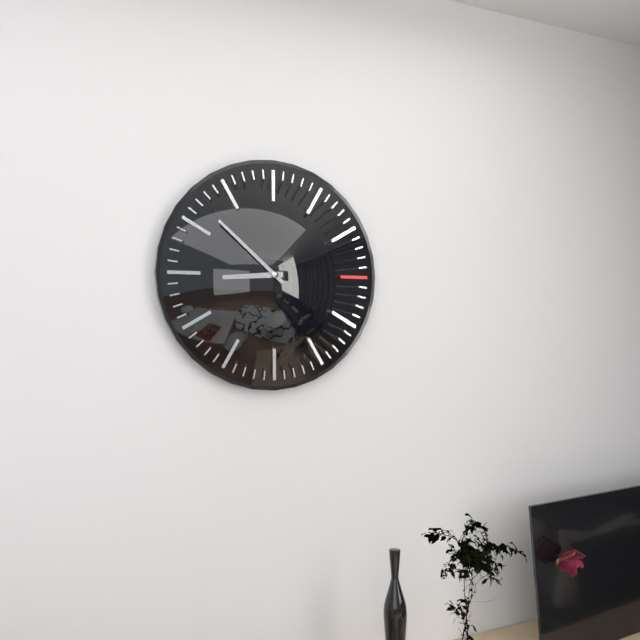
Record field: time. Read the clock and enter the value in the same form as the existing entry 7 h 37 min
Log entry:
8 h 52 min
